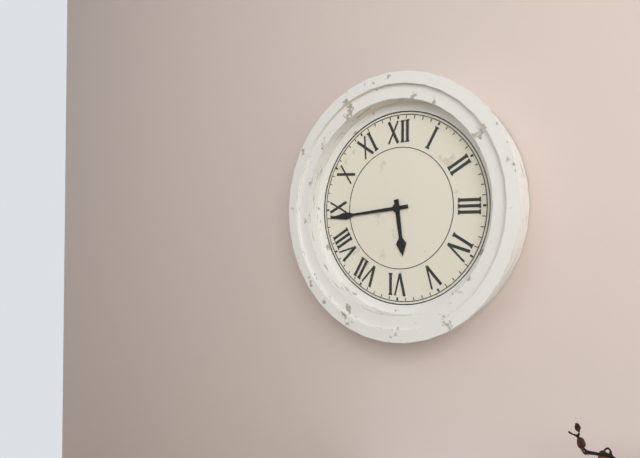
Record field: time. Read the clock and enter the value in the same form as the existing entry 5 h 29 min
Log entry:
5 h 44 min
